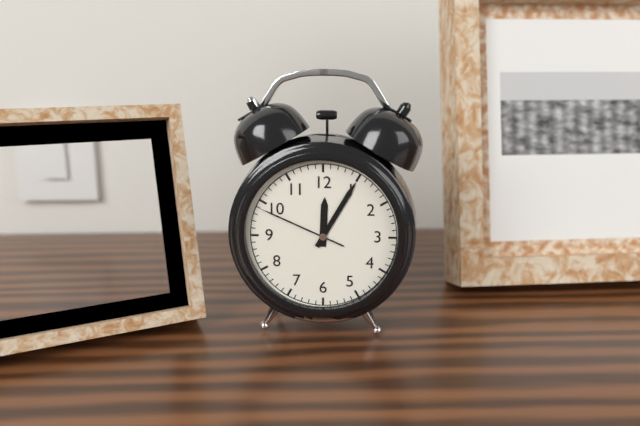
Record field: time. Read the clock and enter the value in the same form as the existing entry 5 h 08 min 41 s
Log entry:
12 h 05 min 49 s
